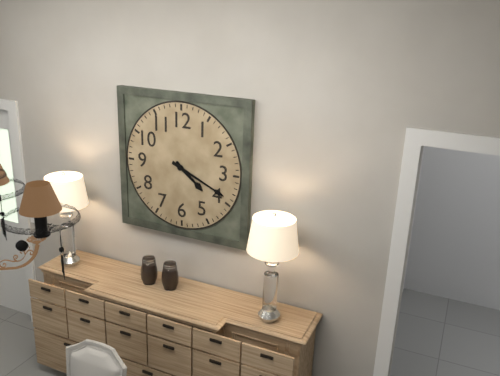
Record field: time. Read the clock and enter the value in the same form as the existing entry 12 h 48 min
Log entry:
4 h 19 min
